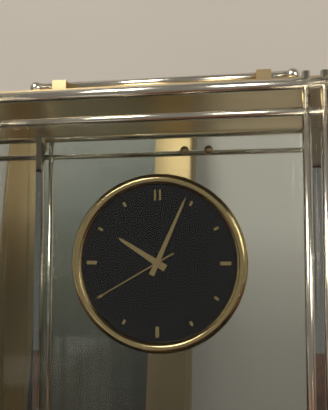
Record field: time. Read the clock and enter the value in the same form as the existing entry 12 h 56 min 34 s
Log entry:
10 h 04 min 40 s
